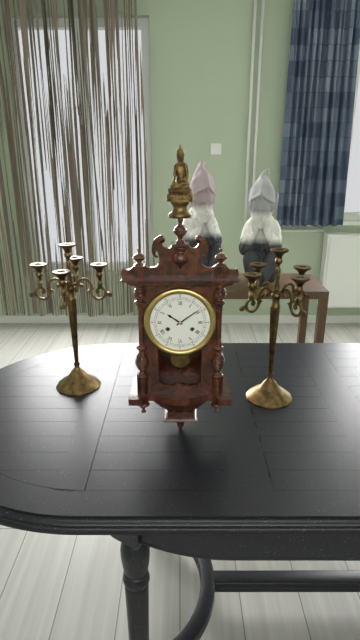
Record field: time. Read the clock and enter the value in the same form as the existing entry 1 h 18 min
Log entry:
10 h 09 min
